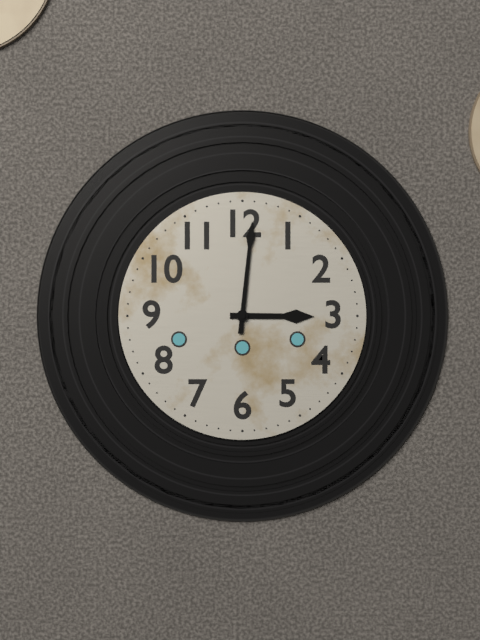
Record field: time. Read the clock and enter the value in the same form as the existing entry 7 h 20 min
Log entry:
3 h 01 min
